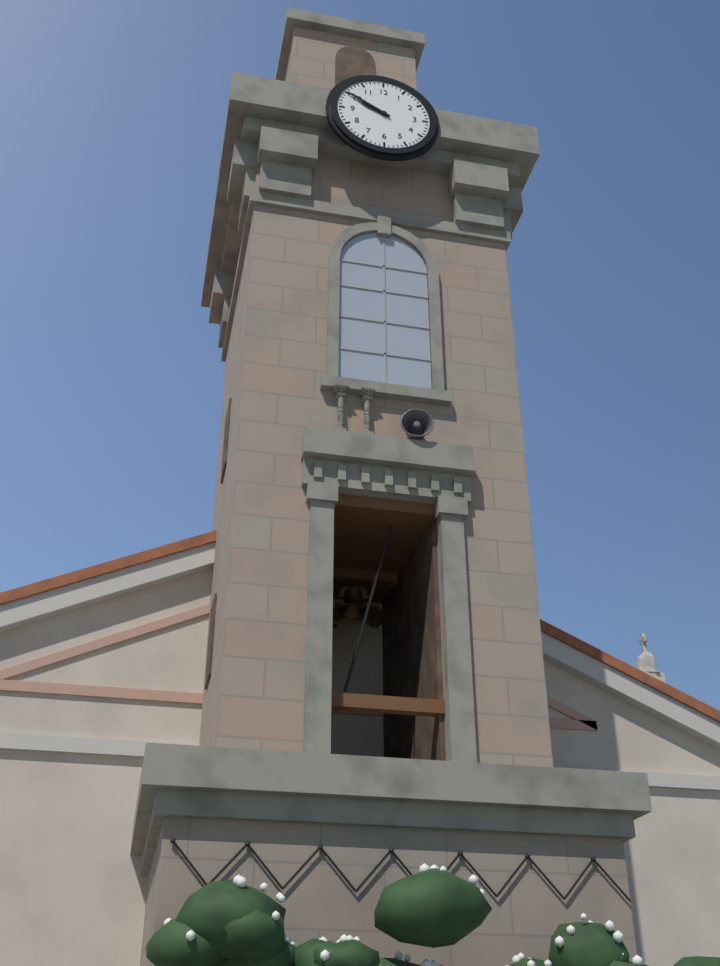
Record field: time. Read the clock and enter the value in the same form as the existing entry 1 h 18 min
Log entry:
9 h 50 min
